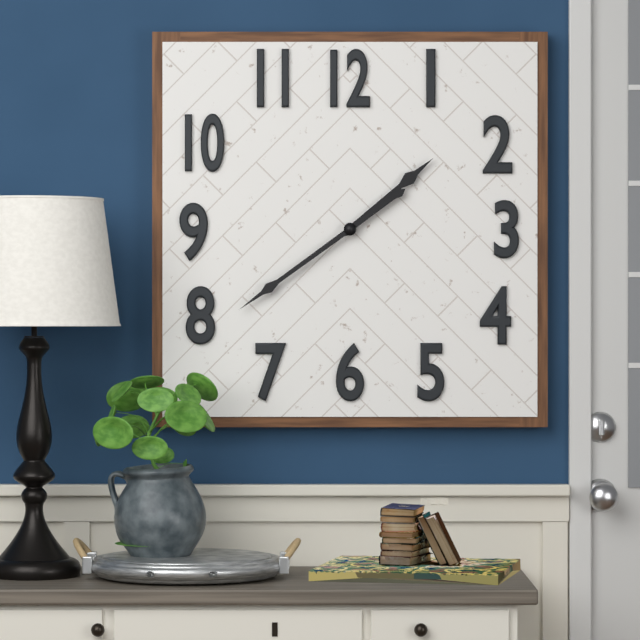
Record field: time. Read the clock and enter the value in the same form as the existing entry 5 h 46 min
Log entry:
1 h 39 min
